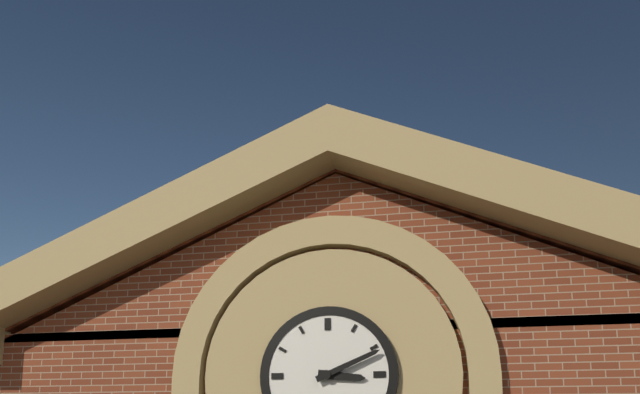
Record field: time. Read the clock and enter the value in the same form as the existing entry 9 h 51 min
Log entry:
3 h 11 min
